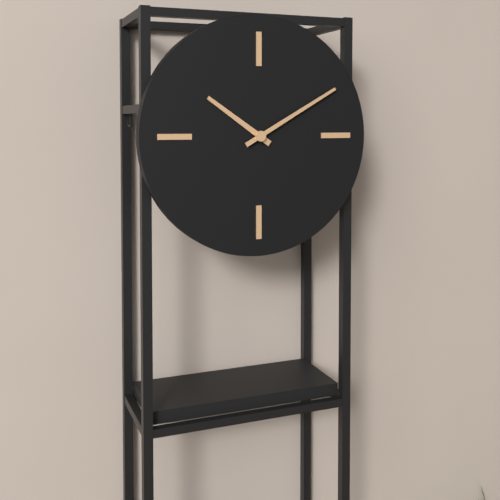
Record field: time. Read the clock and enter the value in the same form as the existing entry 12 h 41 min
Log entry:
10 h 10 min
